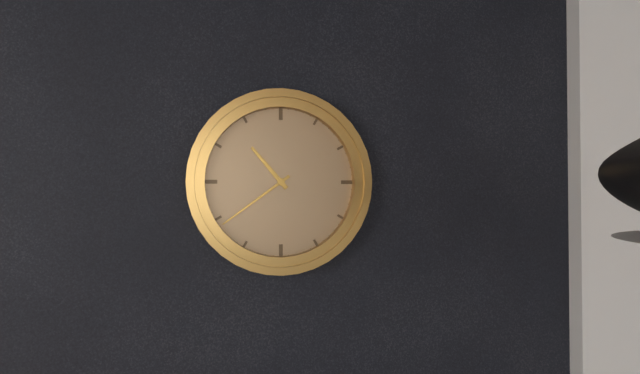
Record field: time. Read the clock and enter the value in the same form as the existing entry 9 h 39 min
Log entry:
10 h 39 min
